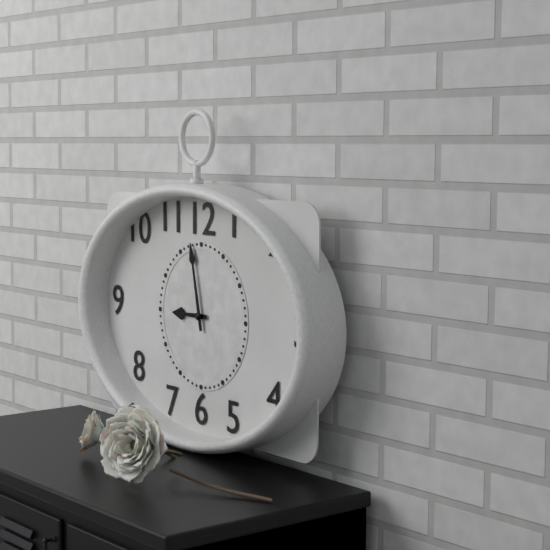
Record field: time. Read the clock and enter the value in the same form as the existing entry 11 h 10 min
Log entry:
8 h 58 min
